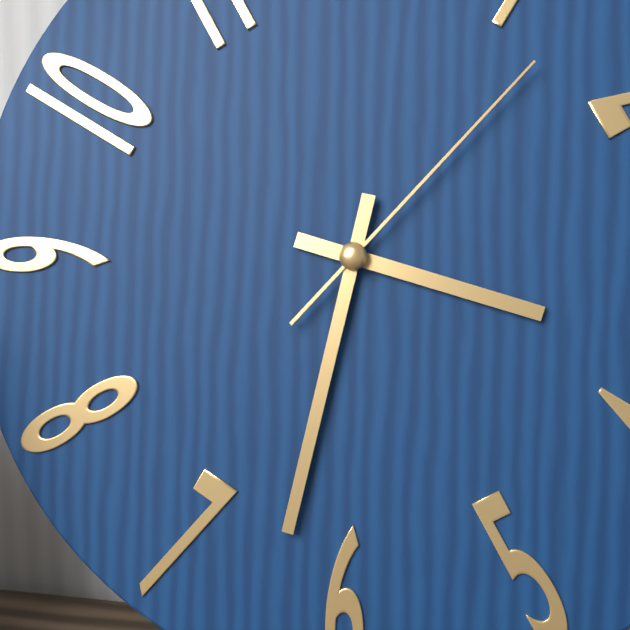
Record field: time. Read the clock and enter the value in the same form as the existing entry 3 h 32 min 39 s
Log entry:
3 h 32 min 07 s
